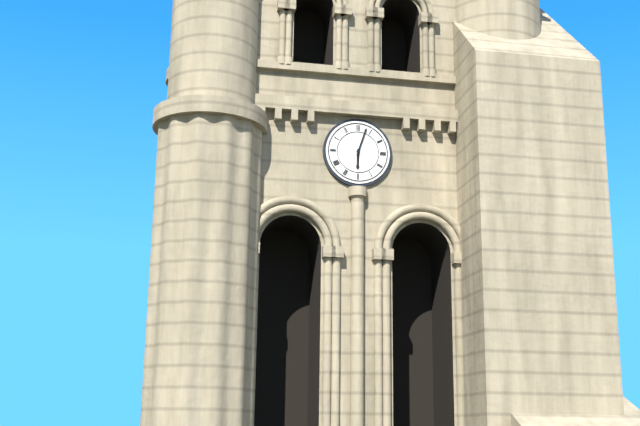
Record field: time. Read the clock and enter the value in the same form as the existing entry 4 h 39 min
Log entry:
6 h 03 min
